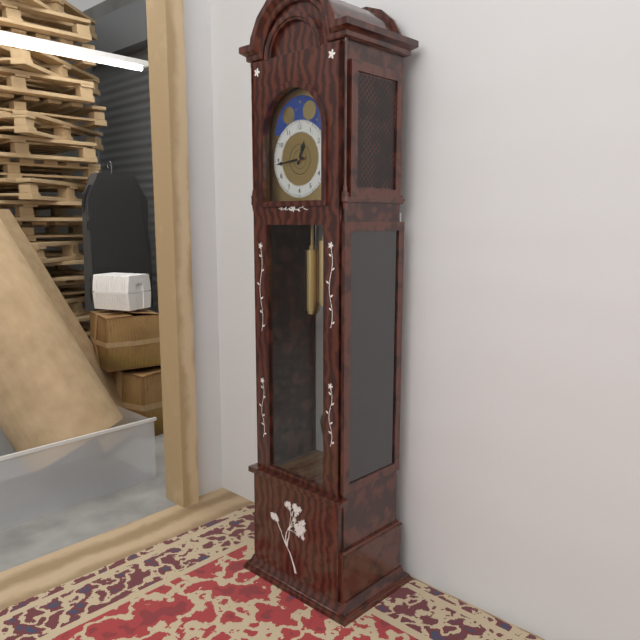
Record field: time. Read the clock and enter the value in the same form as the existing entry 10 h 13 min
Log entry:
12 h 44 min
